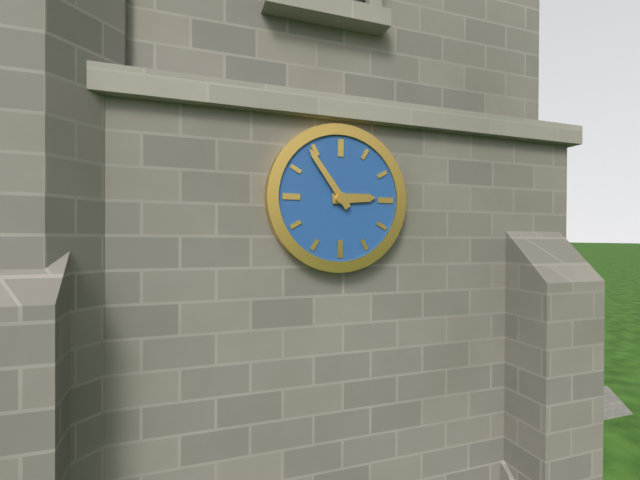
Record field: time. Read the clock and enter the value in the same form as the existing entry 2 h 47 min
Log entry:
2 h 54 min
